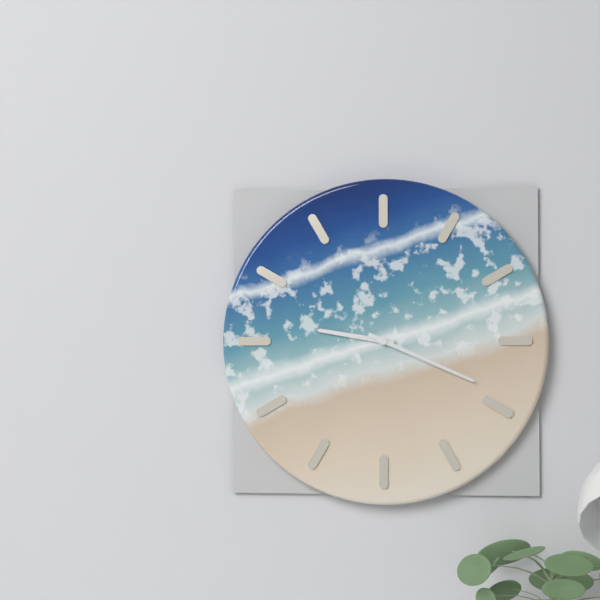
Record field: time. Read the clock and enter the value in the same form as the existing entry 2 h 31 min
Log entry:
9 h 19 min
